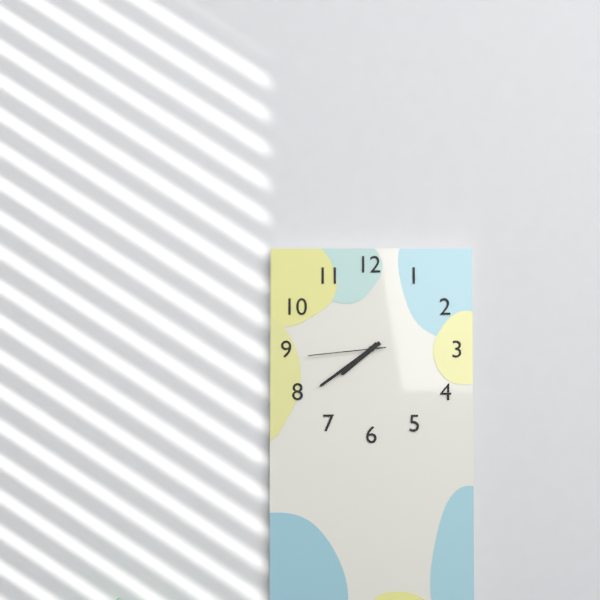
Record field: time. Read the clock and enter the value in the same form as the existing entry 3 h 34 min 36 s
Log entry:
7 h 39 min 44 s
